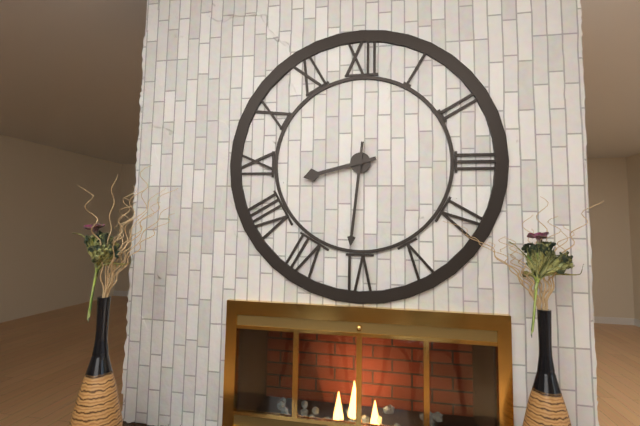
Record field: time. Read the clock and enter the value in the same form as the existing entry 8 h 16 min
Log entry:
8 h 31 min
